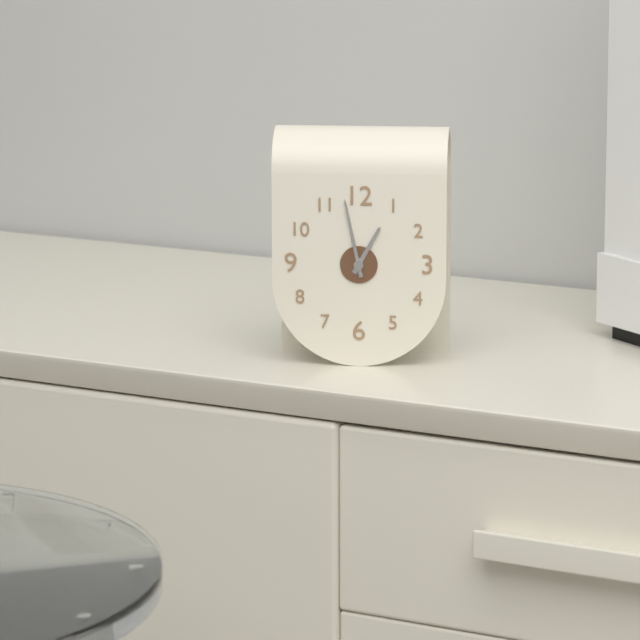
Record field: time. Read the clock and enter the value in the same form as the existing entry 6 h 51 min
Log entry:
12 h 58 min
